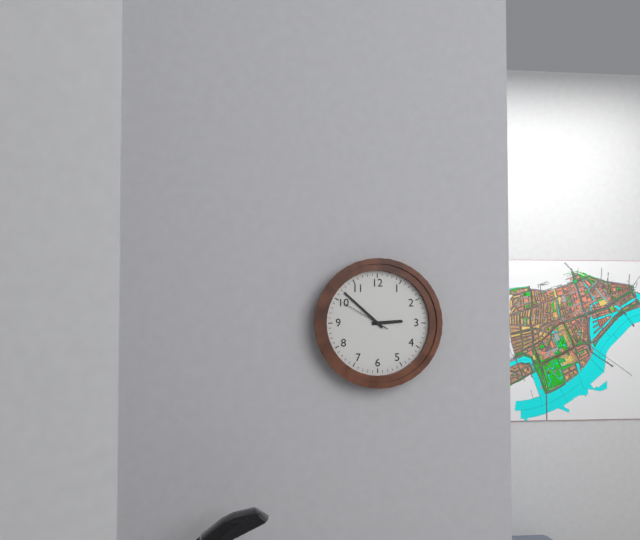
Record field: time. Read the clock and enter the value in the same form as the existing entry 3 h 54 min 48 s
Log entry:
2 h 52 min 50 s
